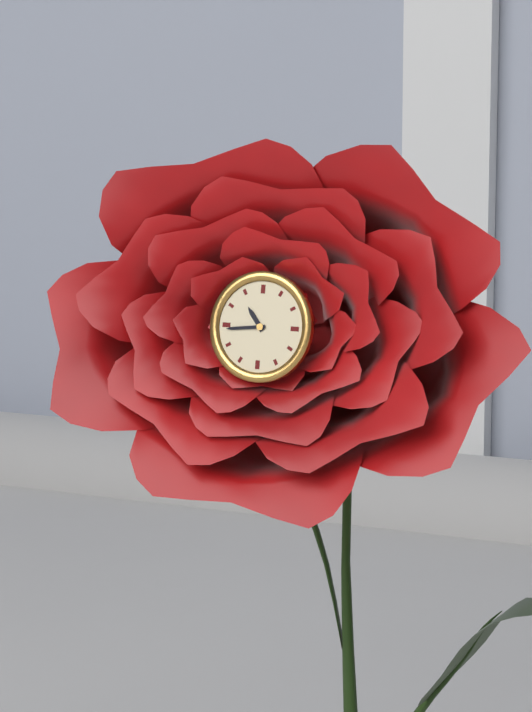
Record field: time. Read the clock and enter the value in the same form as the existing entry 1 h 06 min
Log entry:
10 h 44 min
